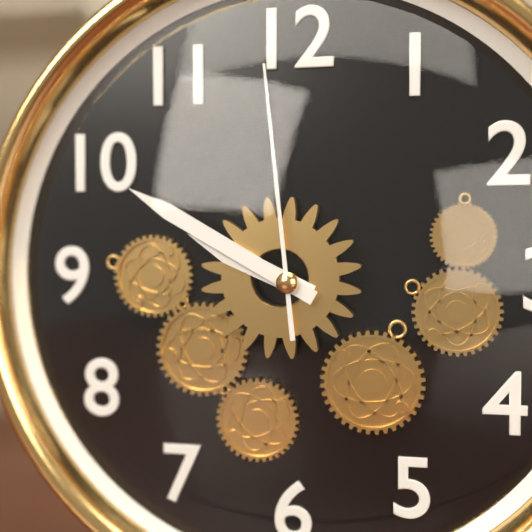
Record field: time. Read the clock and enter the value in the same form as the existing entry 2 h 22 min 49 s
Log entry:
9 h 50 min 59 s
